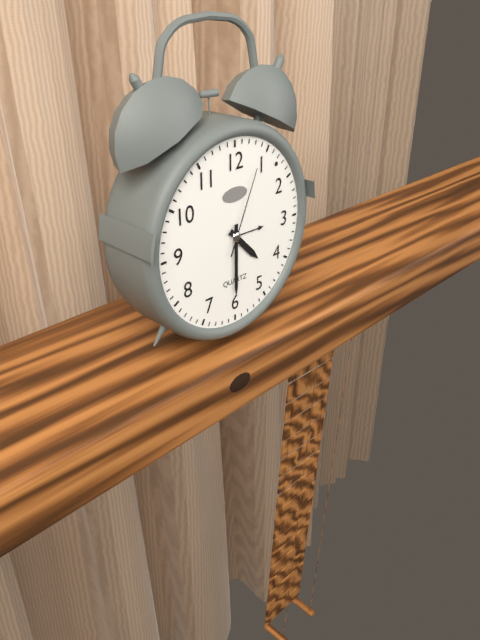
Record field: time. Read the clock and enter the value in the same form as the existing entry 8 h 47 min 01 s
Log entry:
4 h 30 min 04 s
